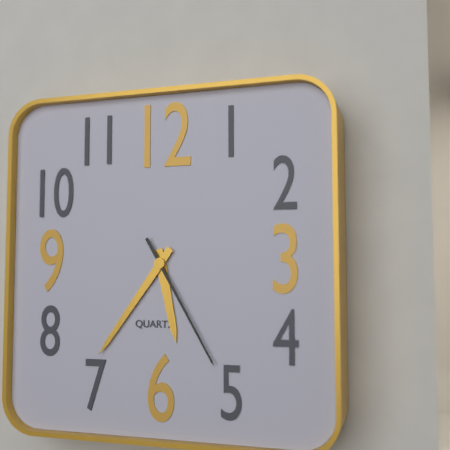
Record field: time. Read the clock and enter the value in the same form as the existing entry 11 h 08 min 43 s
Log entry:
5 h 36 min 25 s
